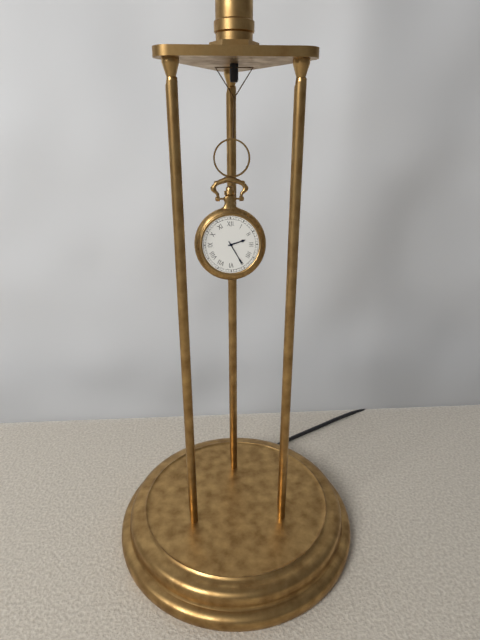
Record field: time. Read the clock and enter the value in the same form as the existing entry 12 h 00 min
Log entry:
2 h 25 min
